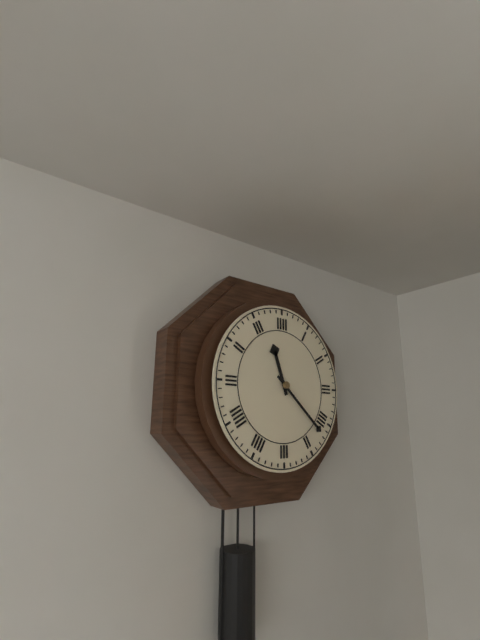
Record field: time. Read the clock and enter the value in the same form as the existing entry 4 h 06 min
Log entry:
11 h 22 min
